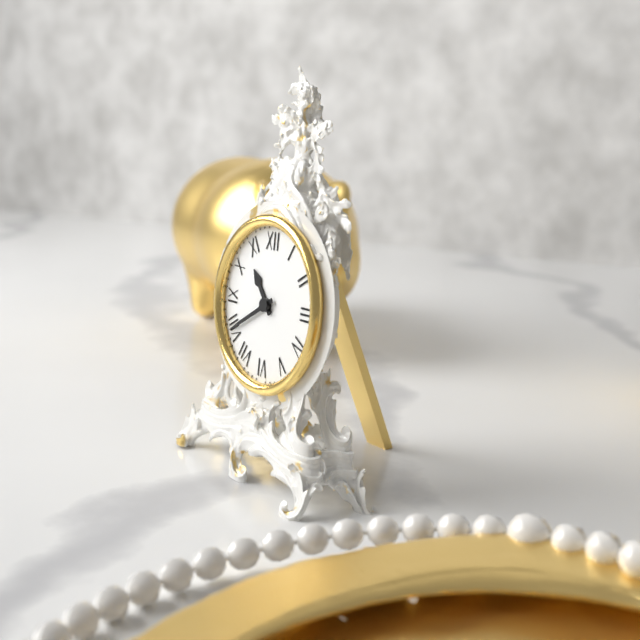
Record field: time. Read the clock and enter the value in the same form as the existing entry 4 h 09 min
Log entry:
10 h 40 min
